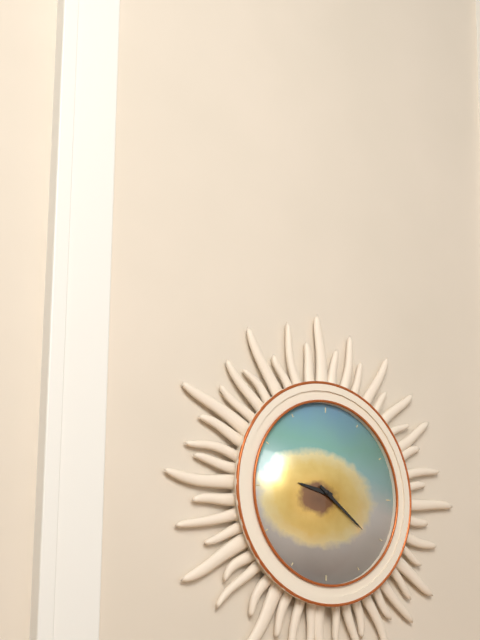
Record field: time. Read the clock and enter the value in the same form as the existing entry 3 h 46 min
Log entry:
9 h 21 min
